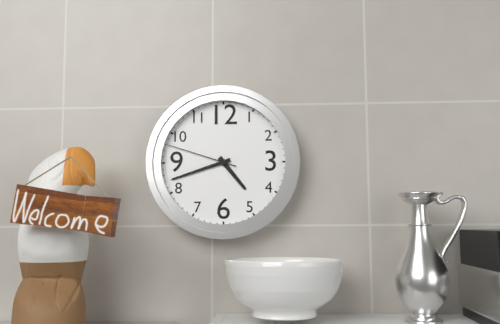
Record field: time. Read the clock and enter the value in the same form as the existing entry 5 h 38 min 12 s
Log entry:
4 h 42 min 48 s
